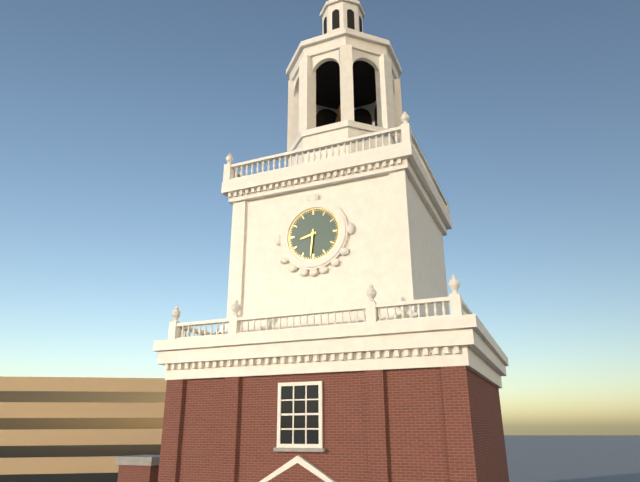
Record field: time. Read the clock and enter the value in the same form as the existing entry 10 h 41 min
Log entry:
8 h 31 min
